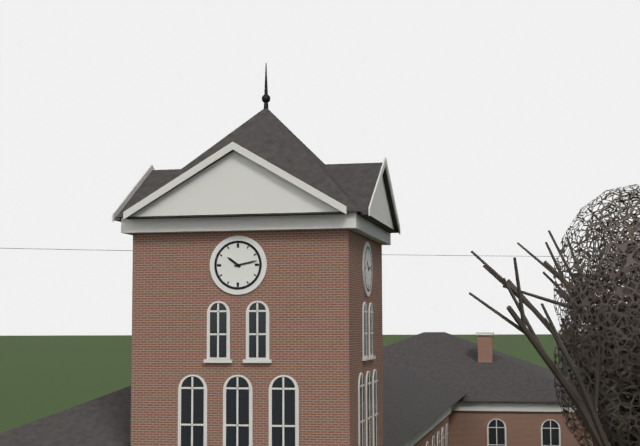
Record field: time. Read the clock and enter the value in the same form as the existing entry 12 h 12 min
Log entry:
10 h 13 min
